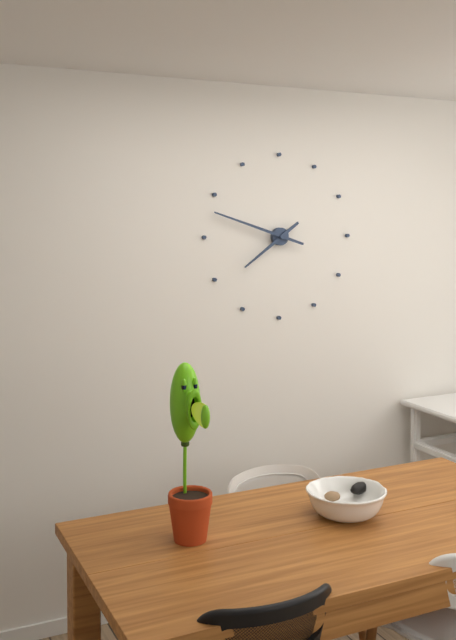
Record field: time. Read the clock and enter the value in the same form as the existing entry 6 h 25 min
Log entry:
7 h 48 min
